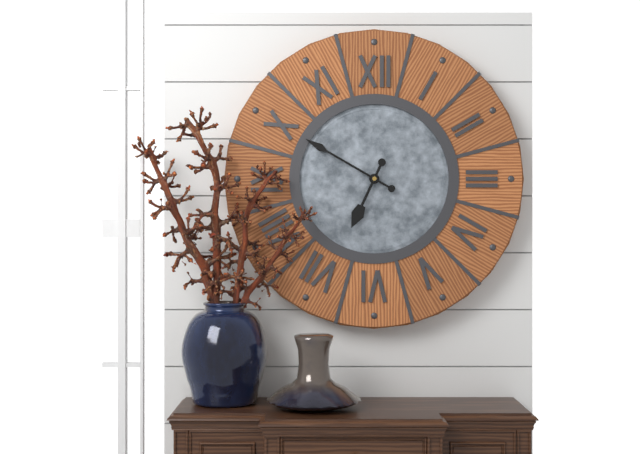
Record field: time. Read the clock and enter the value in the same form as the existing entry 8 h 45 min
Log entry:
6 h 50 min
